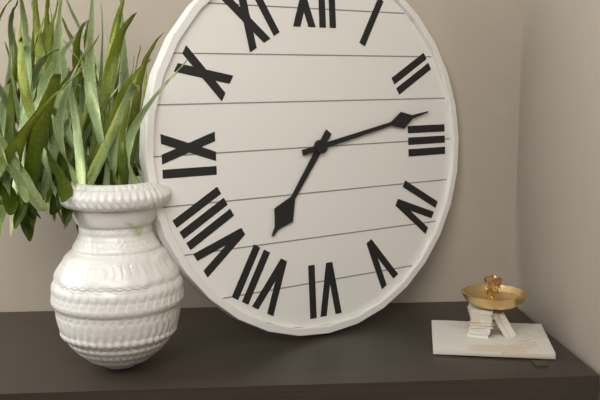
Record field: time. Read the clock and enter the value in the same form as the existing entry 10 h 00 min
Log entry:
7 h 13 min
